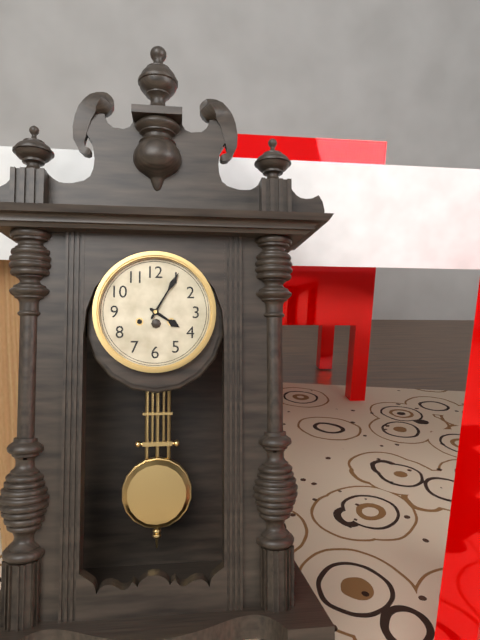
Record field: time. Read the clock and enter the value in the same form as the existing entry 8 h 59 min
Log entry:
4 h 05 min
